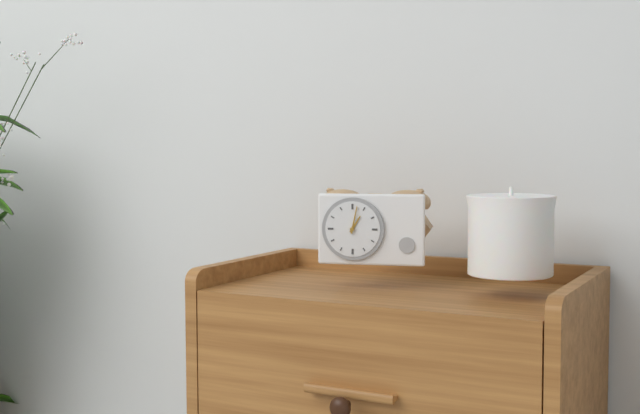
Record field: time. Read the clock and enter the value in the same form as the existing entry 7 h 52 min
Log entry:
1 h 02 min
